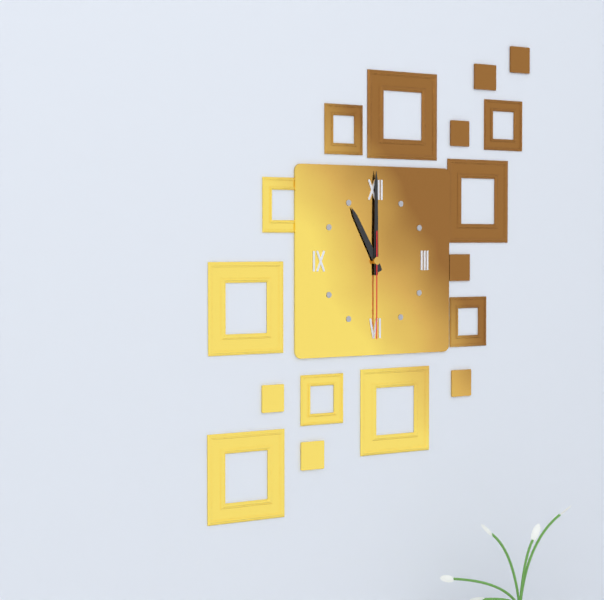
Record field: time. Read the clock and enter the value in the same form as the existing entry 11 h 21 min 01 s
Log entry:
11 h 00 min 30 s
